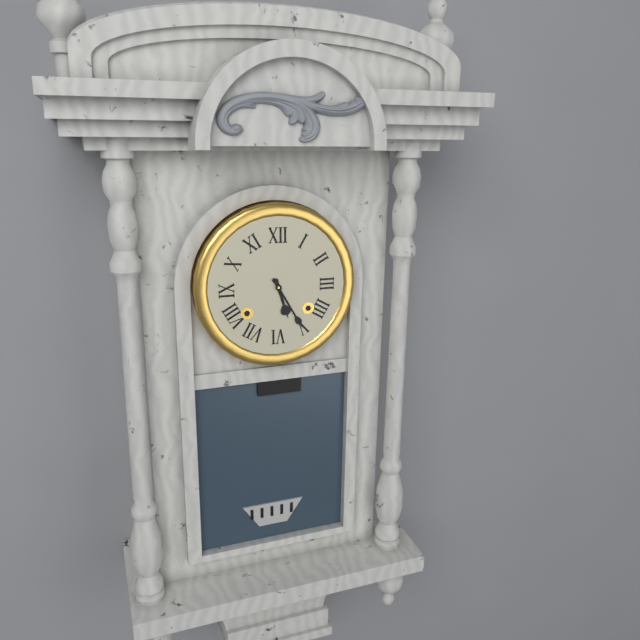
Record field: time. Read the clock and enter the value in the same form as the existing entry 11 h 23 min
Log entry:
5 h 25 min
